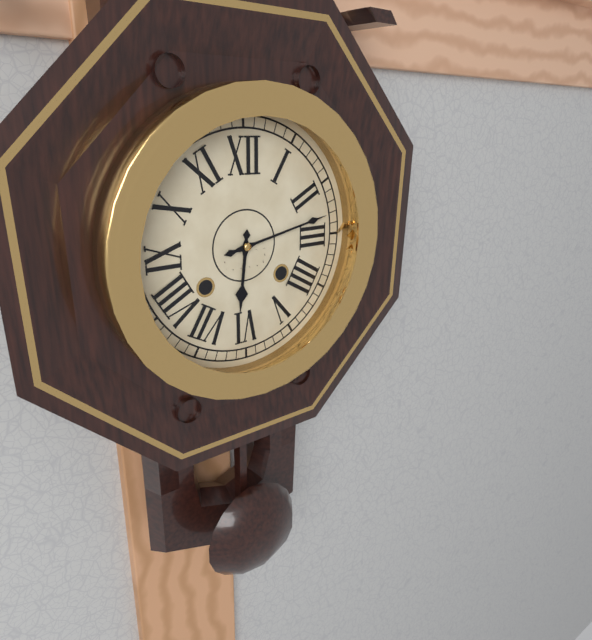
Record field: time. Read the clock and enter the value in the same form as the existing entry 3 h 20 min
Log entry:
6 h 13 min
